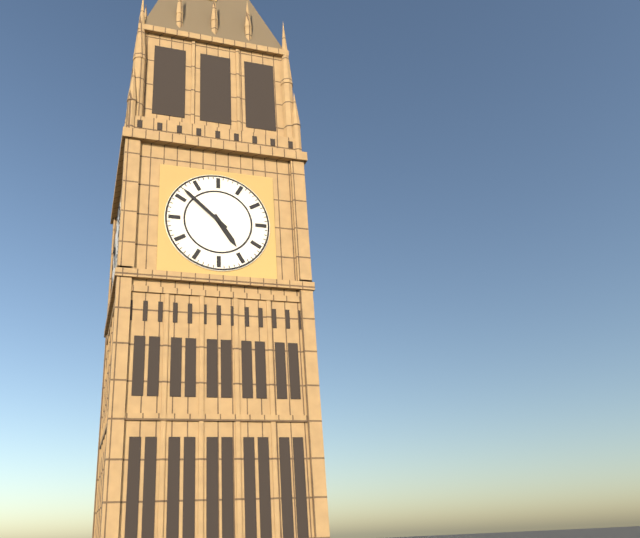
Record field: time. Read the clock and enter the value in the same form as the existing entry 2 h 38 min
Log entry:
4 h 52 min
